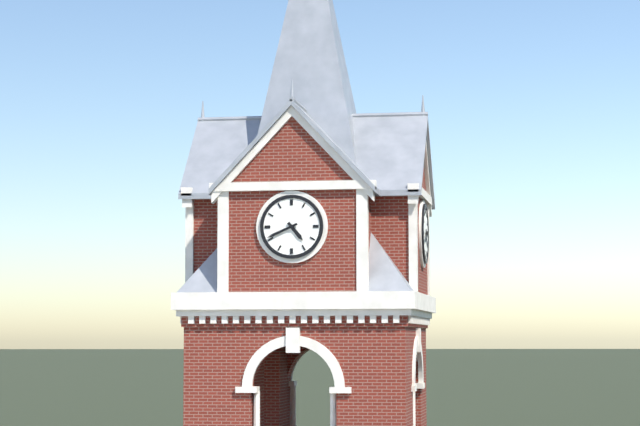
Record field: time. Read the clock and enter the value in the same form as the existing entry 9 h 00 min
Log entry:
4 h 41 min
